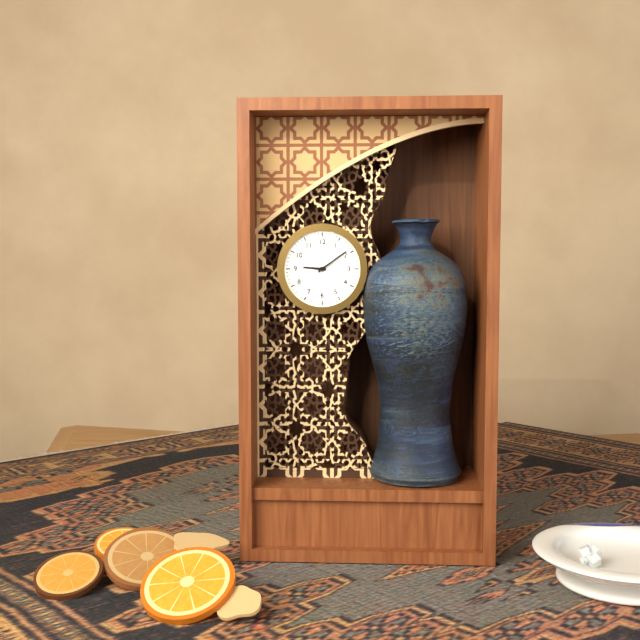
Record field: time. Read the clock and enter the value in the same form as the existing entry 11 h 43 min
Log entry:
9 h 09 min
